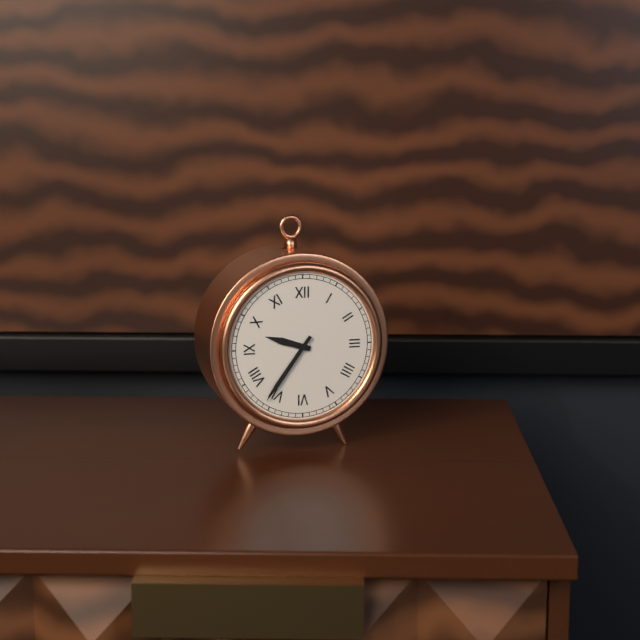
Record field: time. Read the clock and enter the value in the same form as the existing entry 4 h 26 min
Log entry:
9 h 36 min
